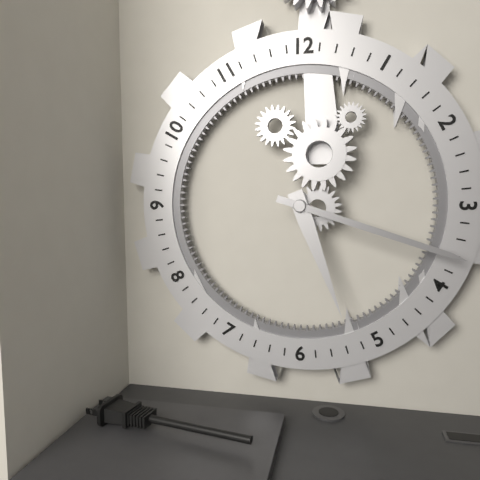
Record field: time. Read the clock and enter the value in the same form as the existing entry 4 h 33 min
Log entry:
5 h 18 min
